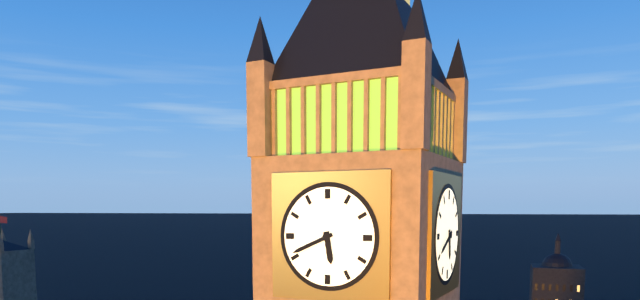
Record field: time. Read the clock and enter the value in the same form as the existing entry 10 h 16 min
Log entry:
5 h 41 min
